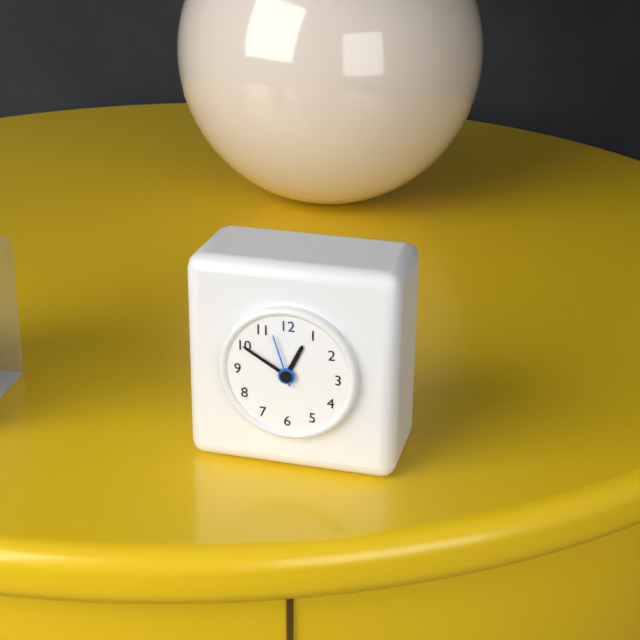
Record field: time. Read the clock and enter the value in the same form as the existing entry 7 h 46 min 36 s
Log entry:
12 h 50 min 57 s
